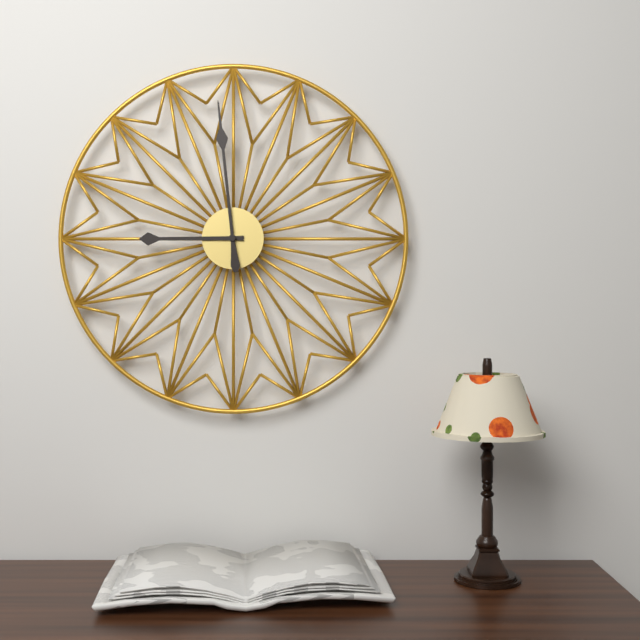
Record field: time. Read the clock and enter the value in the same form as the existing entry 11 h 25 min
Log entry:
8 h 59 min
